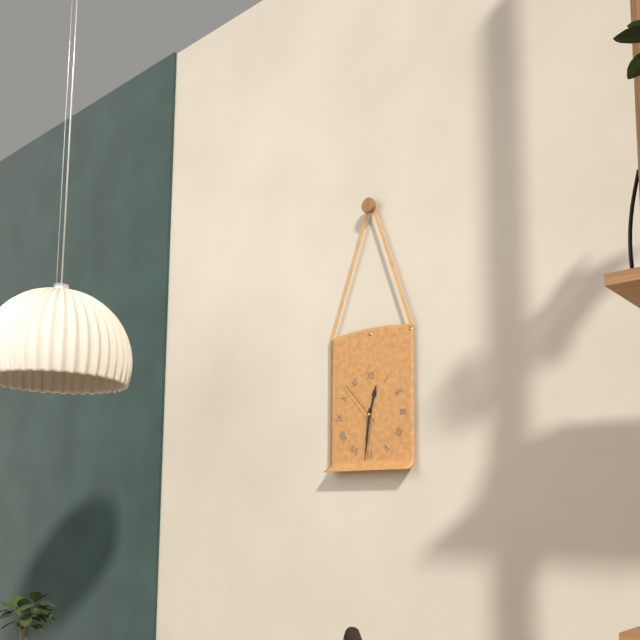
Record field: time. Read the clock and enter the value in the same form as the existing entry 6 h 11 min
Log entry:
12 h 31 min
